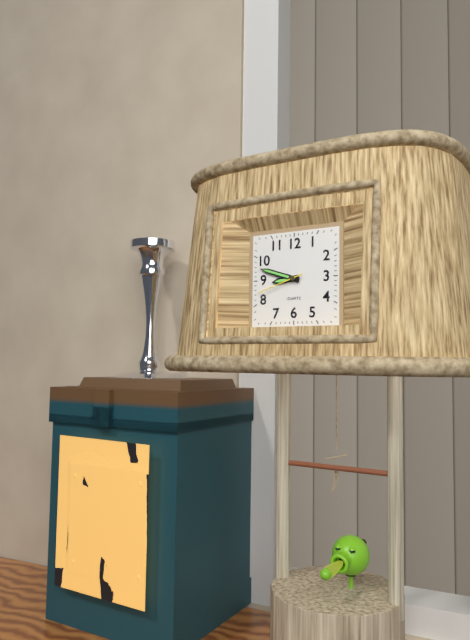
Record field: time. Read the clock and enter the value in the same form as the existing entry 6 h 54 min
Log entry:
8 h 48 min
